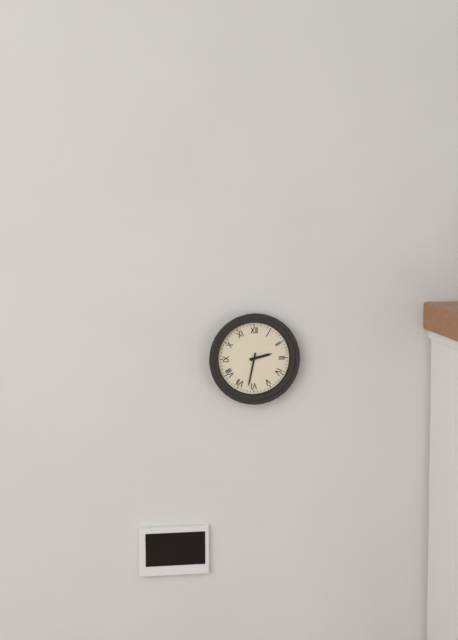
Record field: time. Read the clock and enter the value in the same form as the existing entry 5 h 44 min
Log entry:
2 h 32 min
